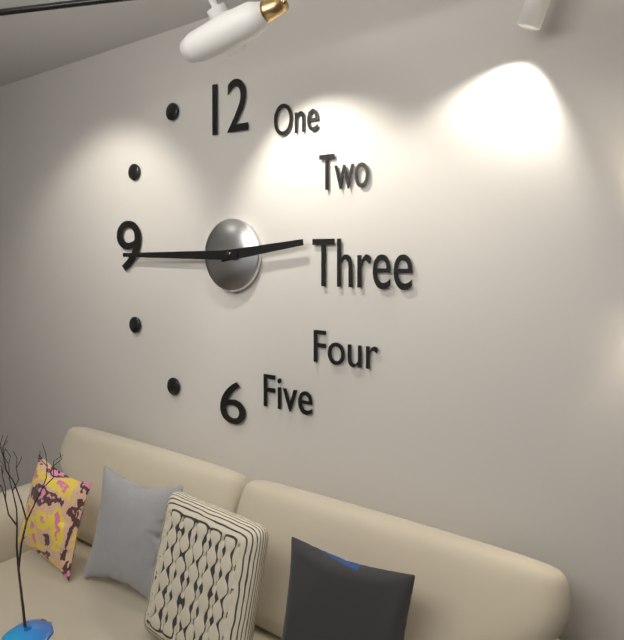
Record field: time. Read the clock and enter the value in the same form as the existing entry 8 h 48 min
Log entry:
2 h 45 min
